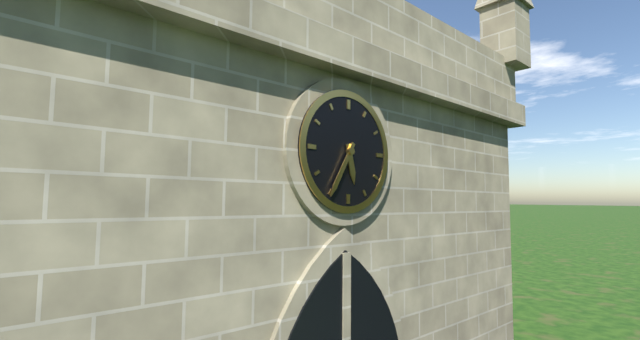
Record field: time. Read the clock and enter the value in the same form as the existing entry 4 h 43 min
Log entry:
5 h 35 min
